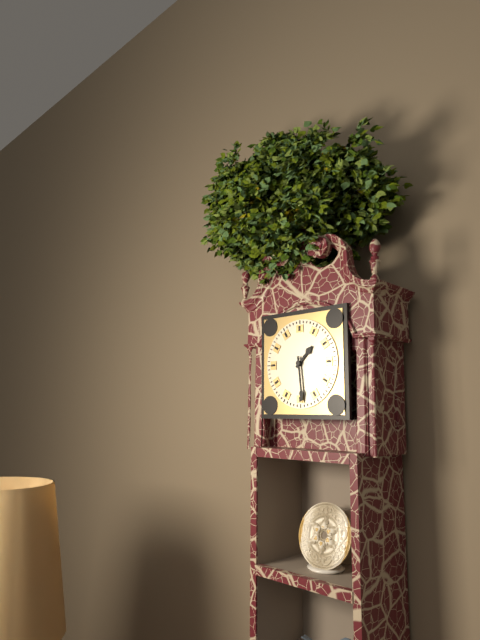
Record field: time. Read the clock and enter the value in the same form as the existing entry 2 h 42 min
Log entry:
1 h 29 min
